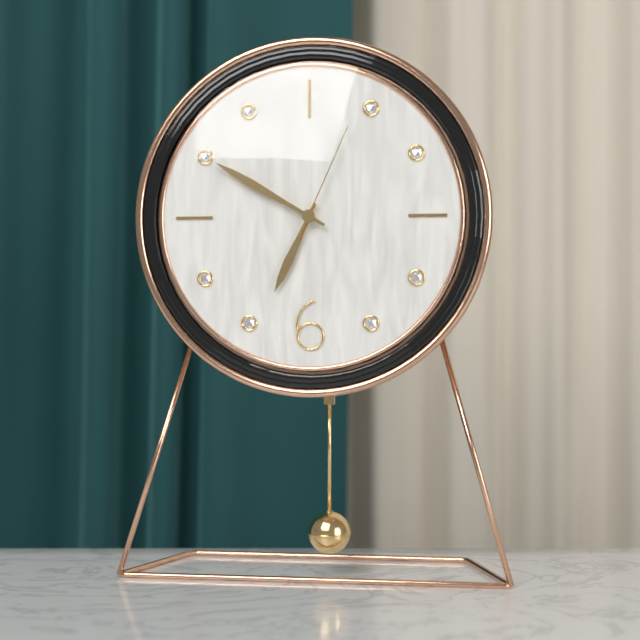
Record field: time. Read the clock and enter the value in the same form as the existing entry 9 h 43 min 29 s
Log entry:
6 h 50 min 04 s
